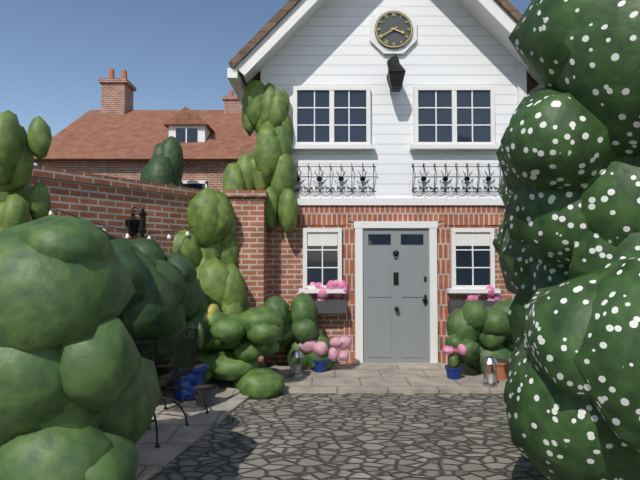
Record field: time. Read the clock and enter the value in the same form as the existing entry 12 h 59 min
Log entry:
3 h 40 min
